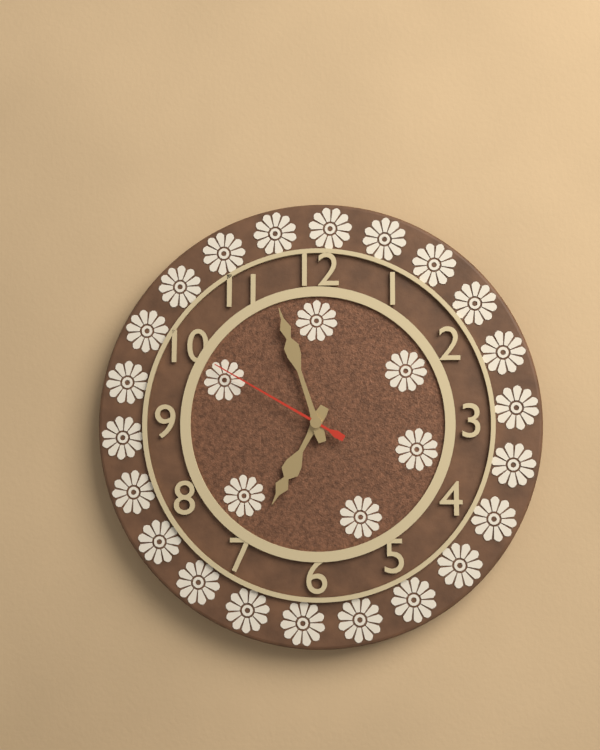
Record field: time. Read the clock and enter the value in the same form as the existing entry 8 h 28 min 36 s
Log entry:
6 h 57 min 50 s
